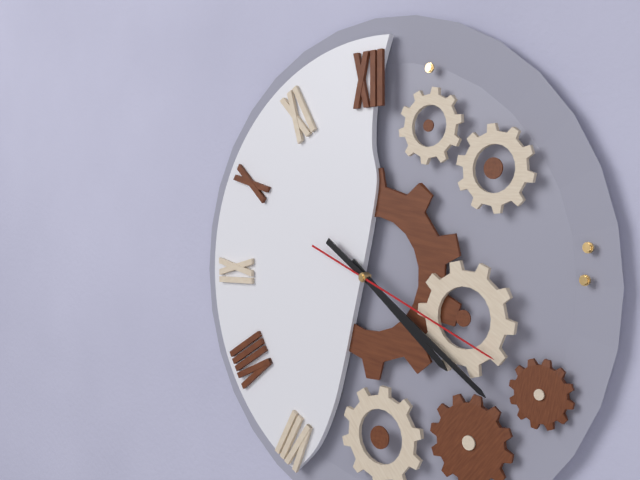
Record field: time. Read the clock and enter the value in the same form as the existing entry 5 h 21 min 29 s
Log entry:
4 h 21 min 19 s
